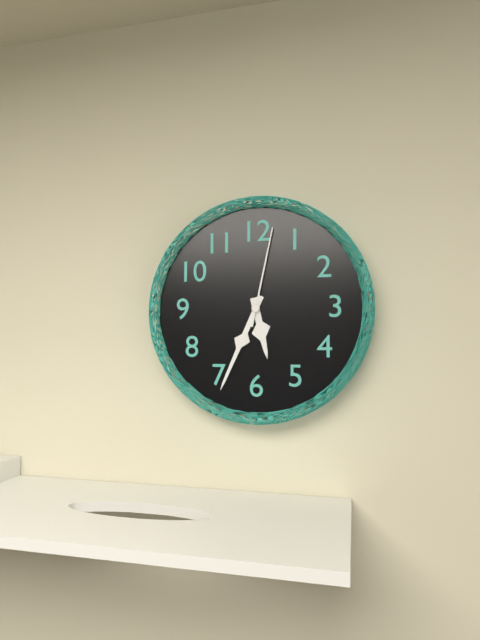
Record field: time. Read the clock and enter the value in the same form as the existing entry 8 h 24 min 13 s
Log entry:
5 h 34 min 02 s
